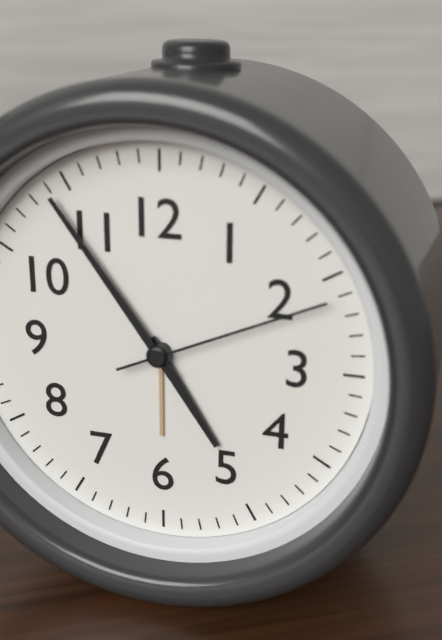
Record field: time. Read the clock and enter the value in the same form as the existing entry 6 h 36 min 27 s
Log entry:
4 h 54 min 11 s
